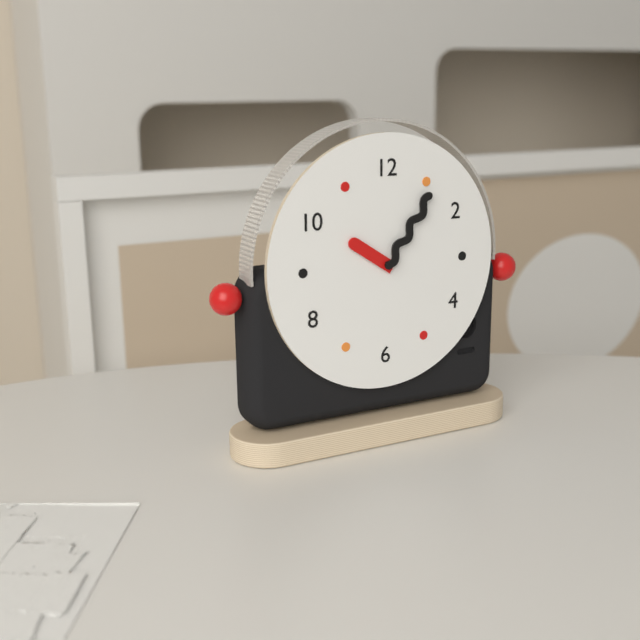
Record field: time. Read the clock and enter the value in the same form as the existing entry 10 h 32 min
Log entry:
10 h 06 min
